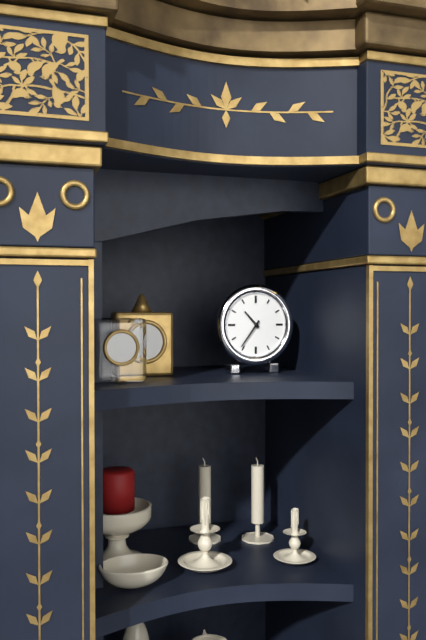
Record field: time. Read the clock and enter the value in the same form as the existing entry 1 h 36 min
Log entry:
10 h 36 min
